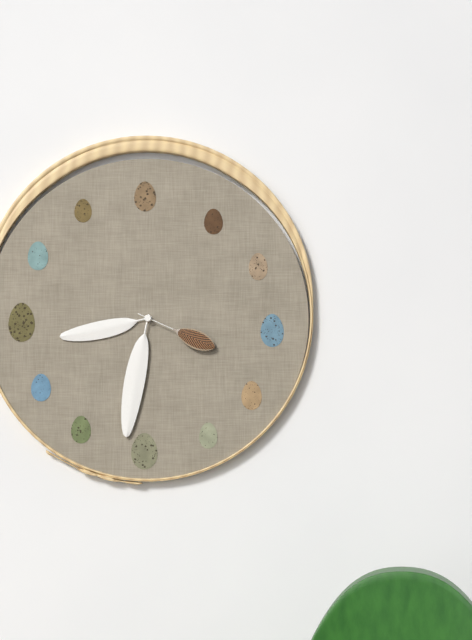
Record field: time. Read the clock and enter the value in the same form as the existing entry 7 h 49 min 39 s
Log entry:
8 h 32 min 19 s
